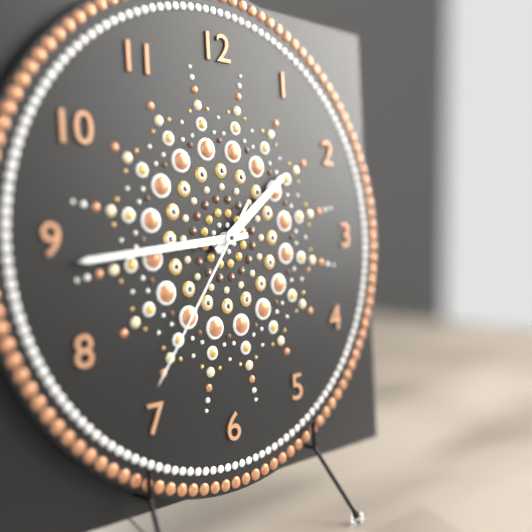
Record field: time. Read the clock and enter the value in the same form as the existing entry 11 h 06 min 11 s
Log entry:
1 h 44 min 36 s
